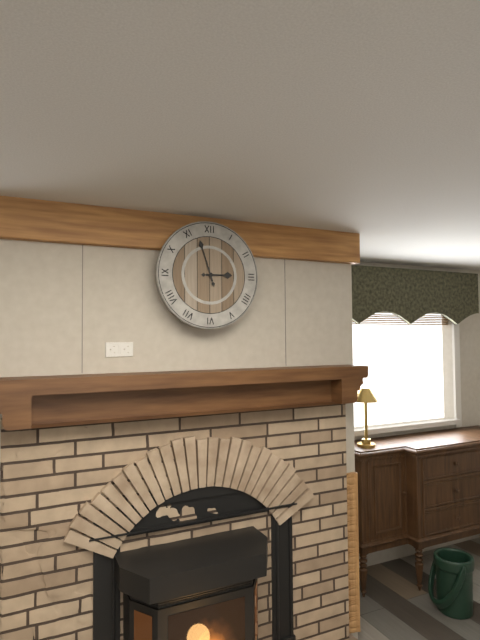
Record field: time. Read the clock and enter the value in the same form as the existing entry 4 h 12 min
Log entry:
2 h 57 min
